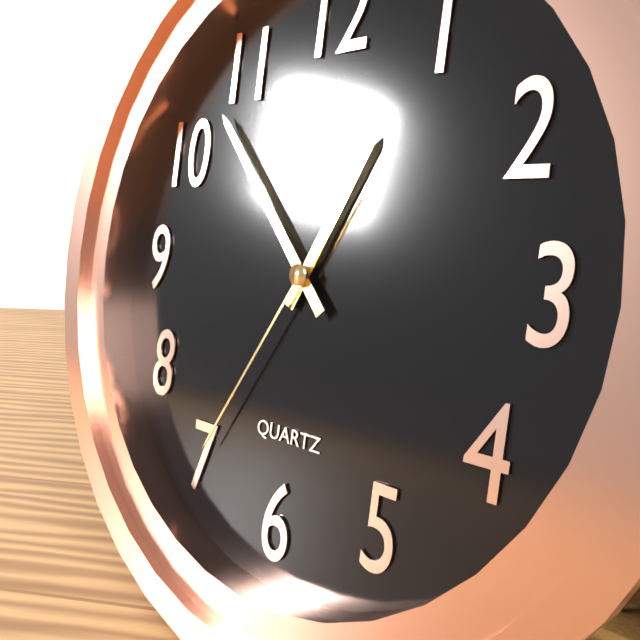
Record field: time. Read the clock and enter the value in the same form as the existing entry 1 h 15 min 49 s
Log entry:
12 h 53 min 35 s
